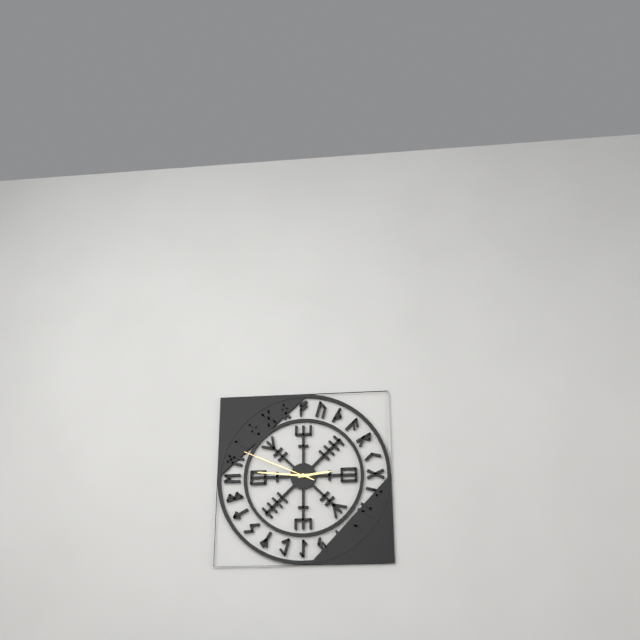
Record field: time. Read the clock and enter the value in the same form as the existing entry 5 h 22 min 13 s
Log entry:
2 h 46 min 49 s
